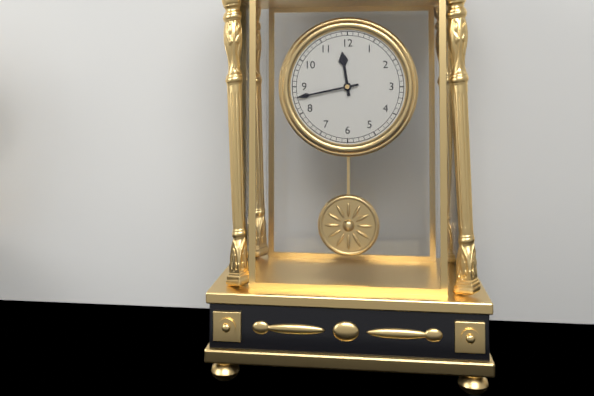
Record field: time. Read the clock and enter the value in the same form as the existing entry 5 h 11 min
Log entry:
11 h 43 min
